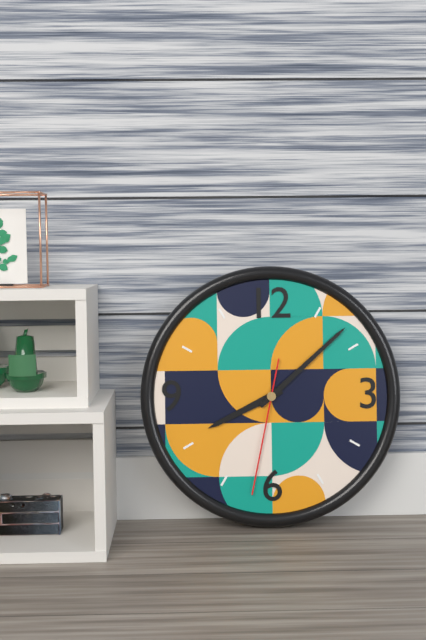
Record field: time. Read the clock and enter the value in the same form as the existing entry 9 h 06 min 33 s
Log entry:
8 h 08 min 32 s
